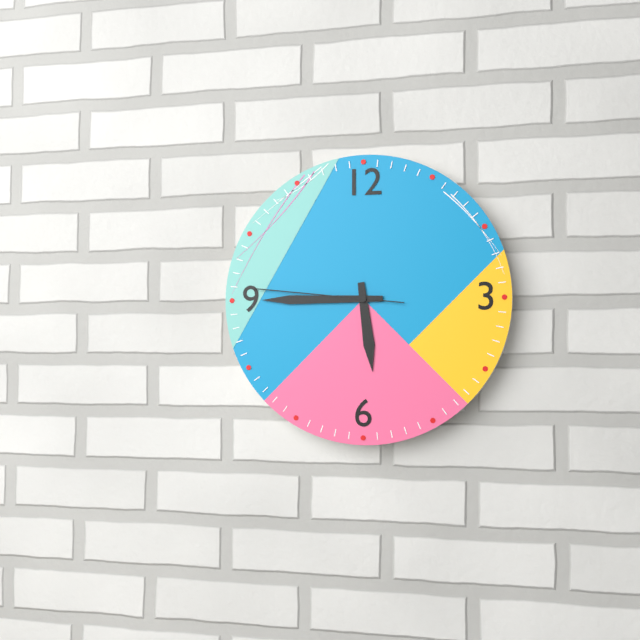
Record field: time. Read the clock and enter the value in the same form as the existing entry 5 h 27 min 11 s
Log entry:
5 h 45 min 46 s
